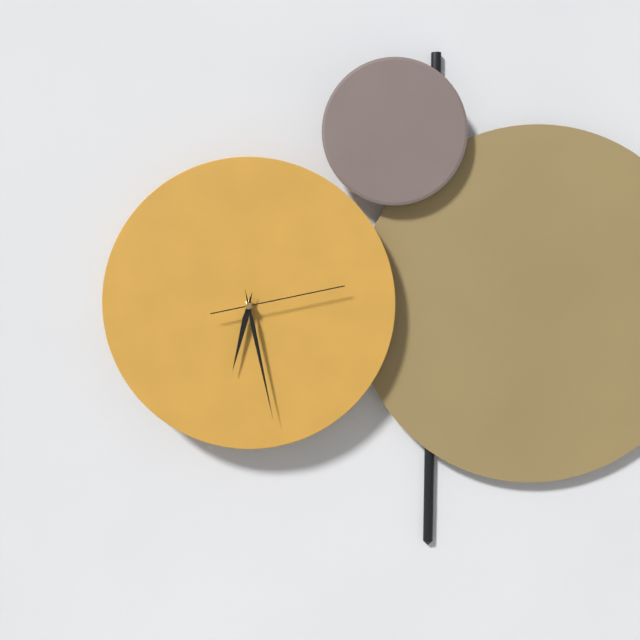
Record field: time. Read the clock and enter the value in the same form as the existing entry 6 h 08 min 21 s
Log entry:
6 h 28 min 13 s
